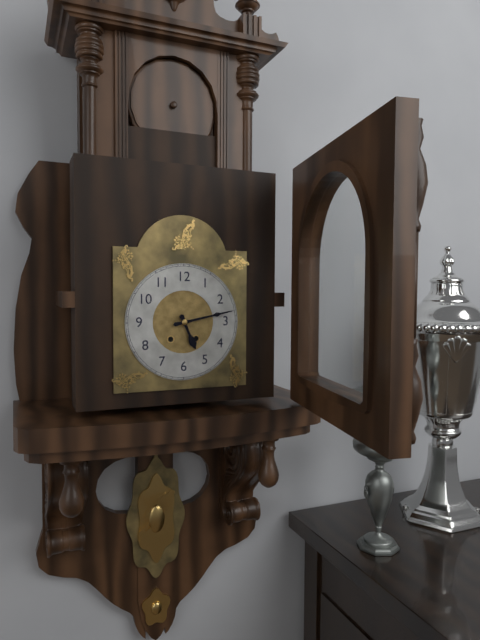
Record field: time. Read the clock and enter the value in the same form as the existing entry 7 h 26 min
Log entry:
5 h 13 min
